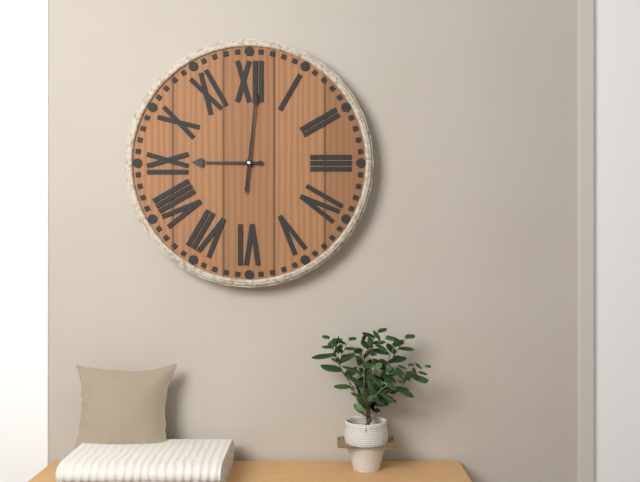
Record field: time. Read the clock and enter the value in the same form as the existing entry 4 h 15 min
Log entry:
9 h 01 min
